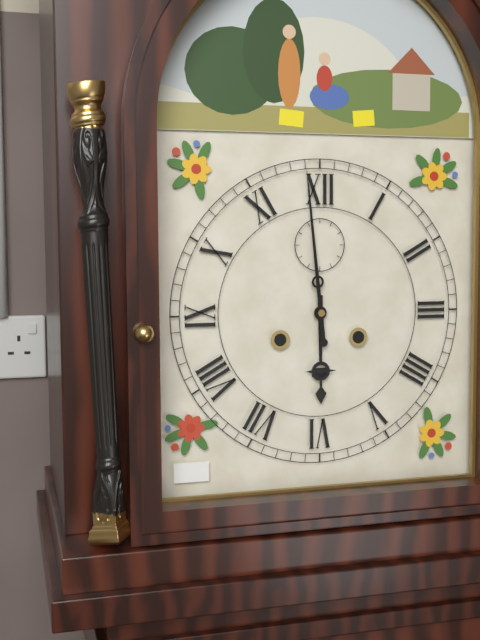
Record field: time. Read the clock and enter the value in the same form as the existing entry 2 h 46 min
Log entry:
5 h 59 min
